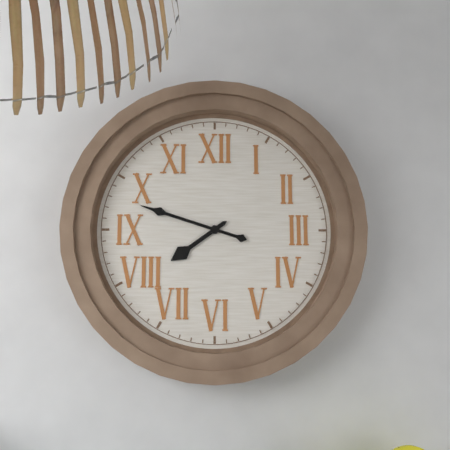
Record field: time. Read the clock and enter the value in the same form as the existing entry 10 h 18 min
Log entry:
7 h 48 min
